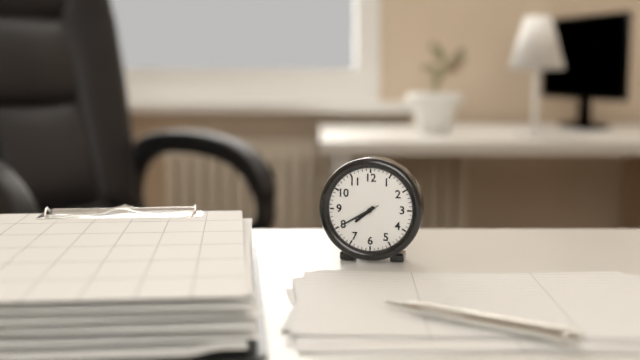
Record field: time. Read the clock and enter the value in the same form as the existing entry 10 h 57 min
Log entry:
7 h 40 min
